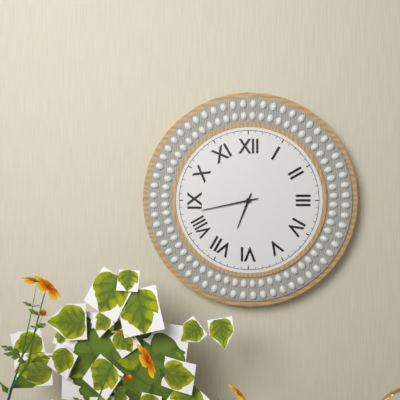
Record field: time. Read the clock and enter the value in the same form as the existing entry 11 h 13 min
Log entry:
6 h 43 min
